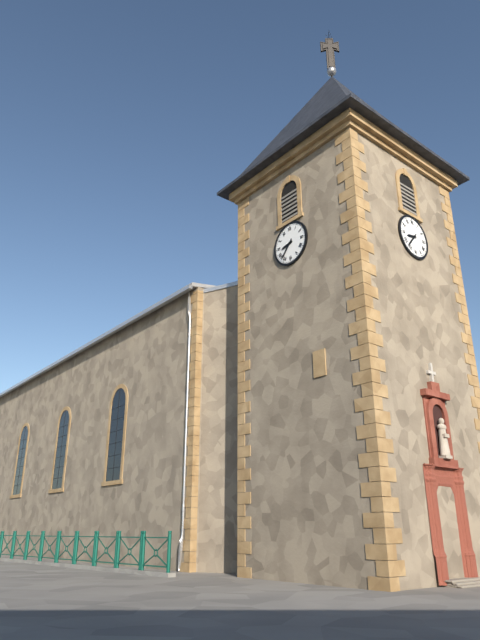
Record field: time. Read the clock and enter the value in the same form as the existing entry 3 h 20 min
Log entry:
8 h 37 min
